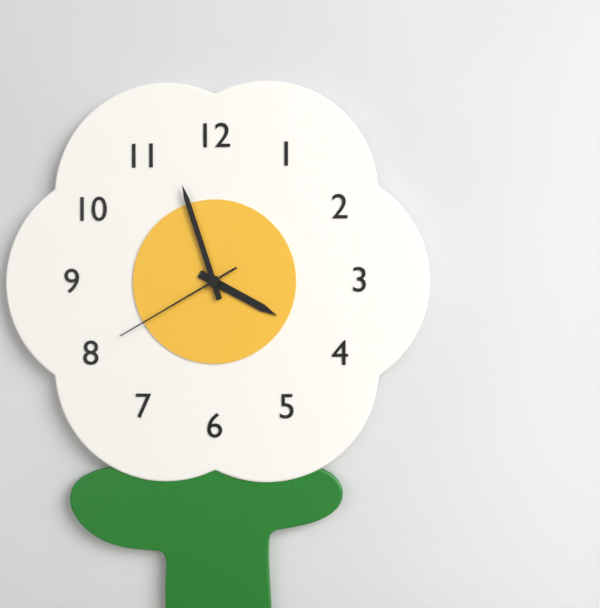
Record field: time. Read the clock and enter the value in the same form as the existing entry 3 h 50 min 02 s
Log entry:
3 h 57 min 40 s
